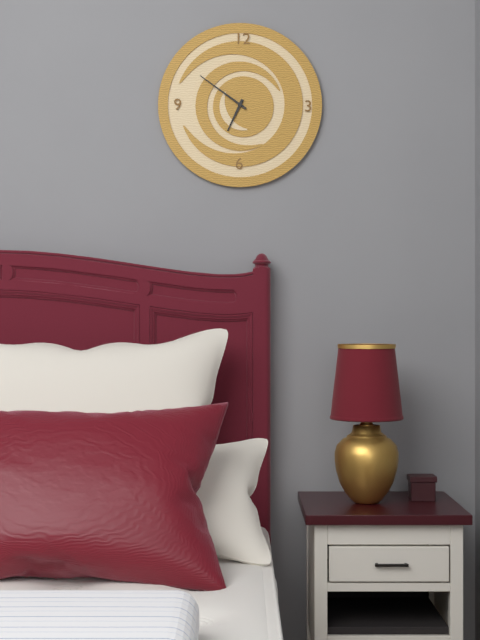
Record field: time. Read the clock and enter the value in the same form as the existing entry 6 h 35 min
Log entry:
6 h 51 min
